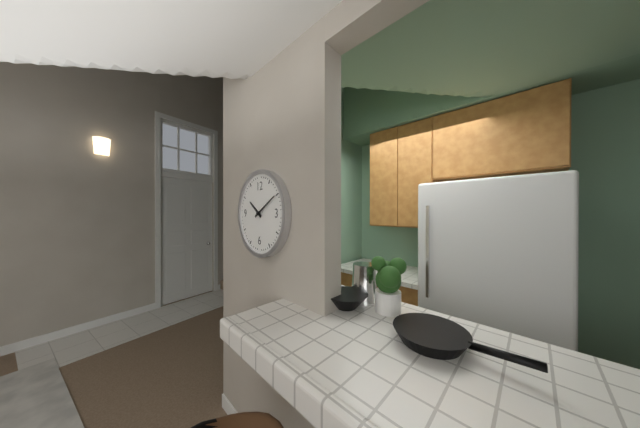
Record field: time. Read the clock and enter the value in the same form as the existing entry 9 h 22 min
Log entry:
10 h 10 min
